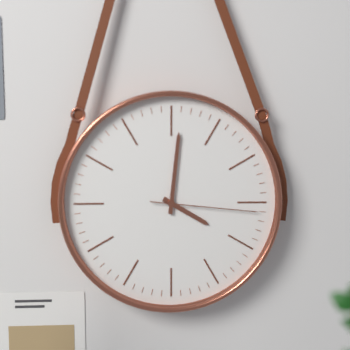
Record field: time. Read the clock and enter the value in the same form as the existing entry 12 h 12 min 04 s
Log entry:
4 h 01 min 16 s
